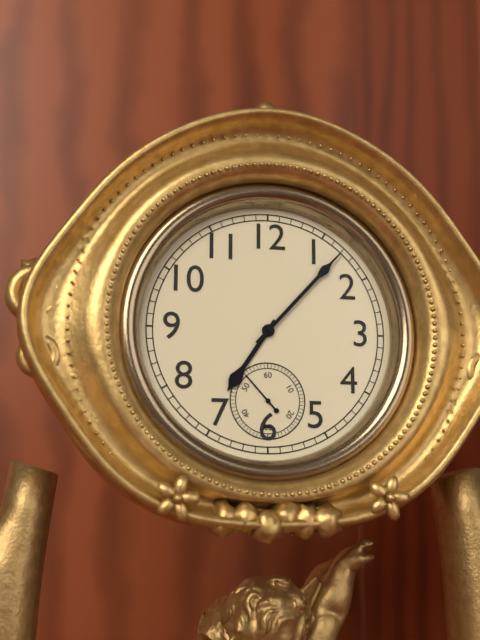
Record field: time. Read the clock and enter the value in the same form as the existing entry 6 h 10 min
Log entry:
7 h 07 min
